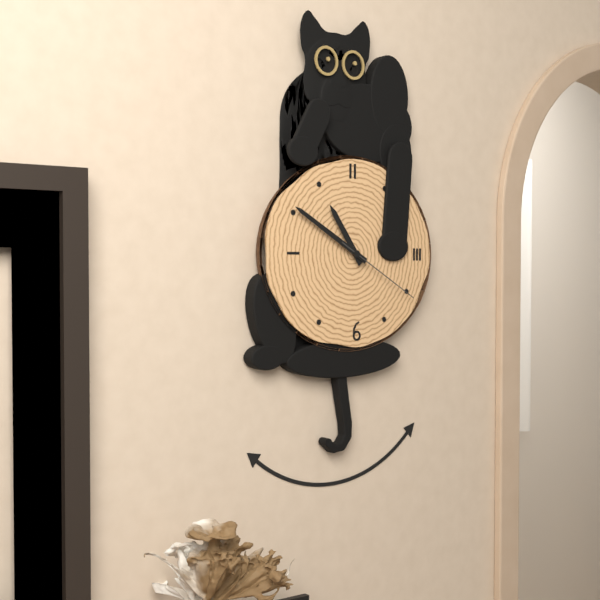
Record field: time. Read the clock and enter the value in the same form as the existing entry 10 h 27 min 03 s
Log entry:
10 h 50 min 20 s
